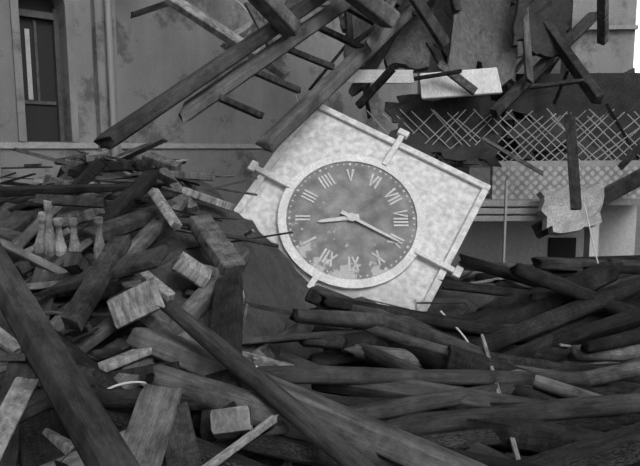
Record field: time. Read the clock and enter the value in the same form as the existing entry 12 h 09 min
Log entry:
1 h 45 min
